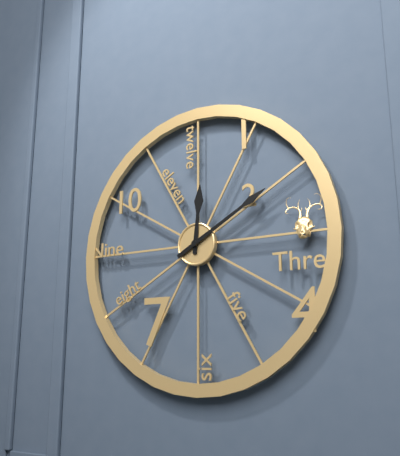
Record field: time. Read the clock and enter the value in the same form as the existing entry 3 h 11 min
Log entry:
12 h 10 min
